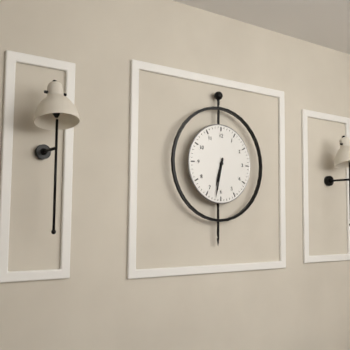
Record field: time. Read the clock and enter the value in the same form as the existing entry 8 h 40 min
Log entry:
6 h 32 min
